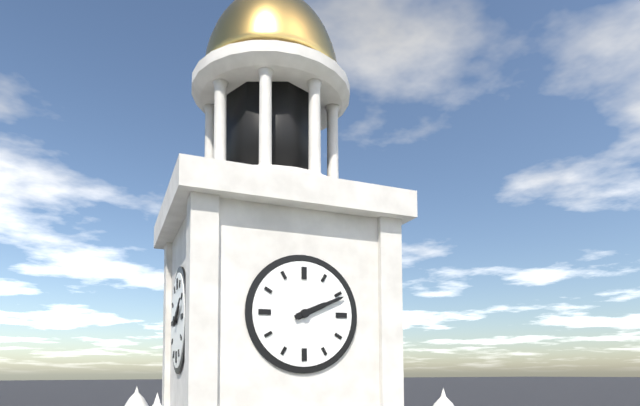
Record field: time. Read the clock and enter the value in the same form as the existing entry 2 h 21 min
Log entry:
2 h 11 min
